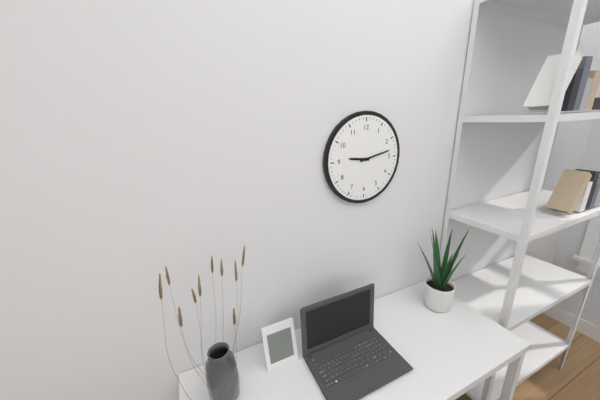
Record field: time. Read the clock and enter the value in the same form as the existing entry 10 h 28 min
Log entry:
9 h 13 min
